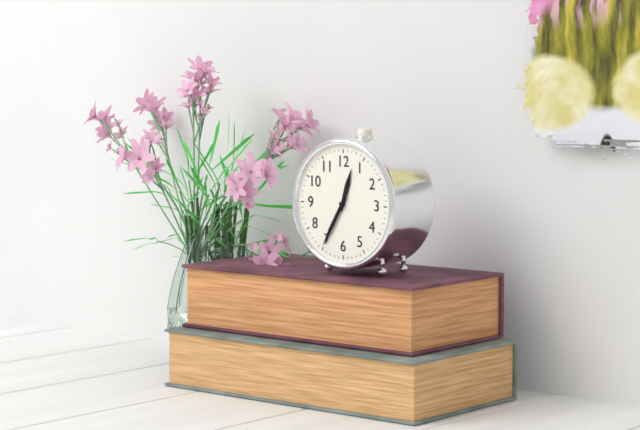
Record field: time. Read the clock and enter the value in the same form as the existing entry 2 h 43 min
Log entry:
12 h 35 min
